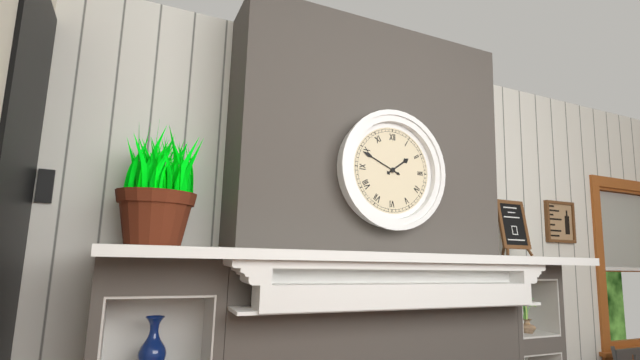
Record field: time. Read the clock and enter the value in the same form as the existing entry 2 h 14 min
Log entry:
1 h 49 min
